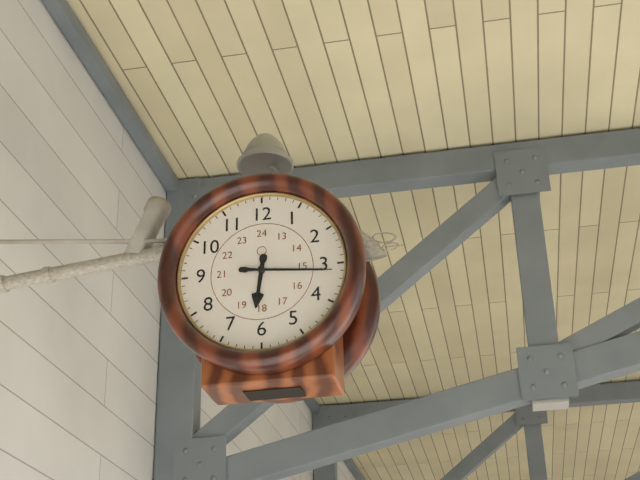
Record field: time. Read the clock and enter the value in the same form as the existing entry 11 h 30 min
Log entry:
6 h 16 min
